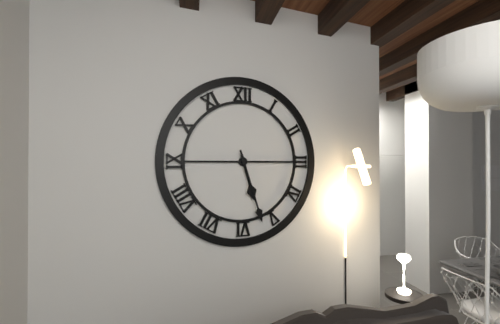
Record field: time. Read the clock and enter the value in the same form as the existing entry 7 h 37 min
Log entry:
5 h 27 min
